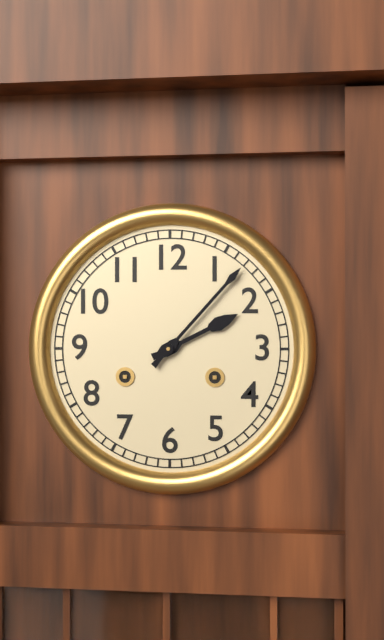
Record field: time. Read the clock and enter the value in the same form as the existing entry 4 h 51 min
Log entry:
2 h 07 min
